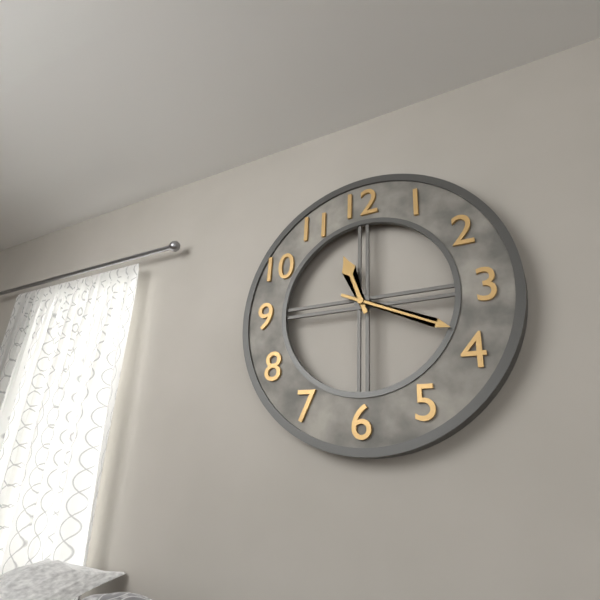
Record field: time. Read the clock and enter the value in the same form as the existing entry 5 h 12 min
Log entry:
11 h 19 min
